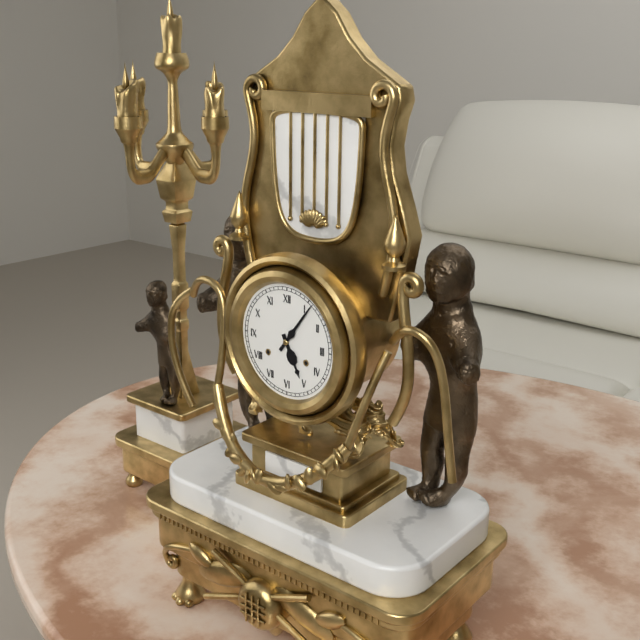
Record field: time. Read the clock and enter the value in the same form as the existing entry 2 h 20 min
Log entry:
5 h 06 min
